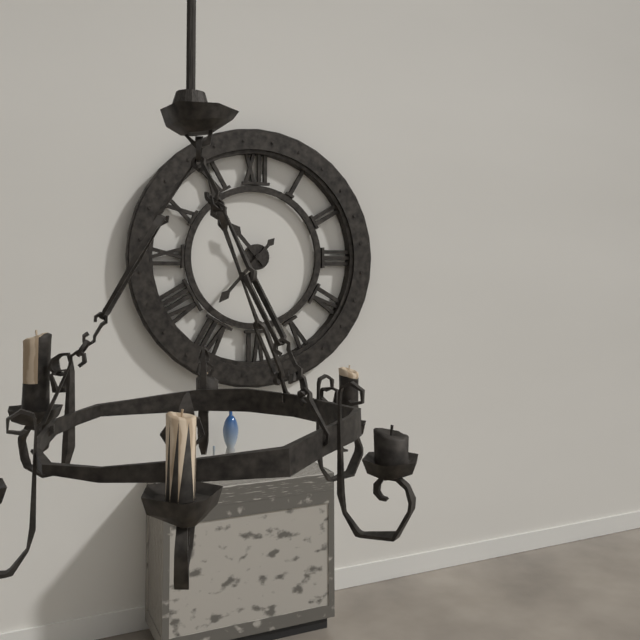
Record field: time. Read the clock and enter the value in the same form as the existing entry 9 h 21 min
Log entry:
10 h 37 min
